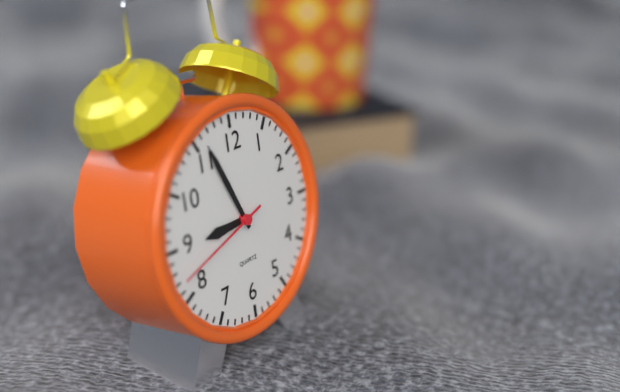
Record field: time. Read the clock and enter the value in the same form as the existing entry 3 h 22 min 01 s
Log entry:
8 h 56 min 42 s
